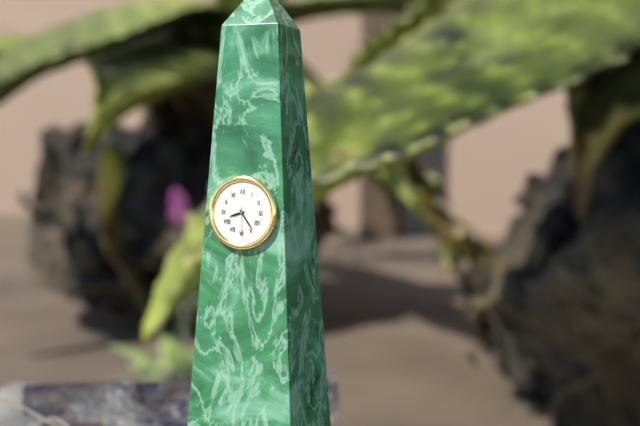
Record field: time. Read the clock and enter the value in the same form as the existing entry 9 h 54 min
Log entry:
8 h 24 min
